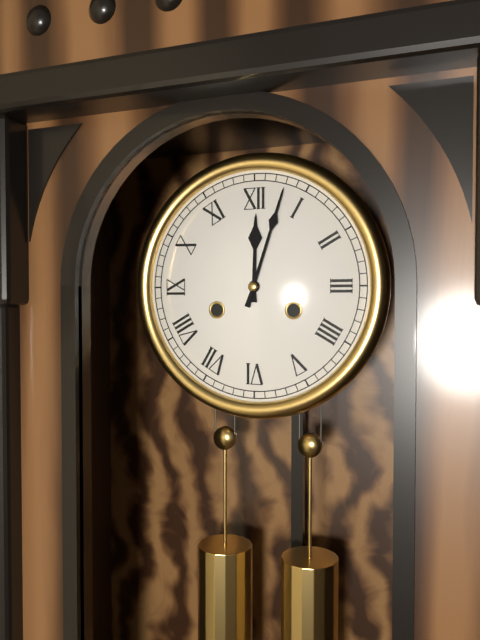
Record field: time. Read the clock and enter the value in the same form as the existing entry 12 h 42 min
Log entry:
12 h 03 min
